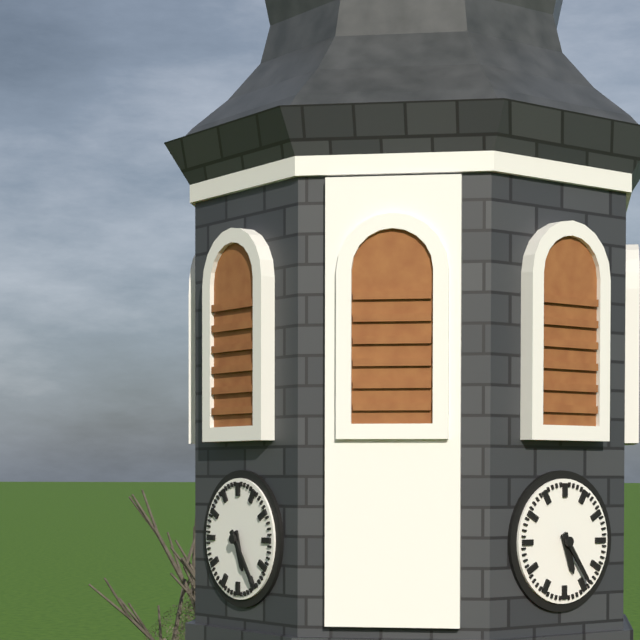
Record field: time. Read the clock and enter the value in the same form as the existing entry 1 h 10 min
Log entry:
5 h 24 min
